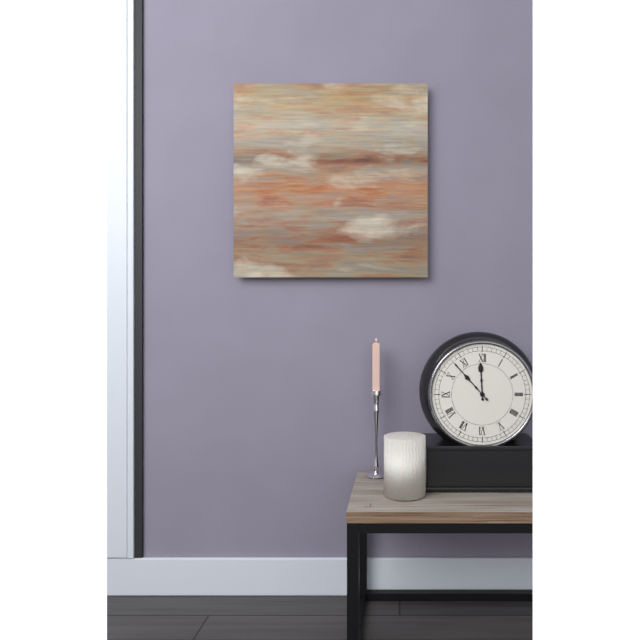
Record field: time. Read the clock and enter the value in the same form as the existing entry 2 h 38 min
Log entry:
11 h 53 min
